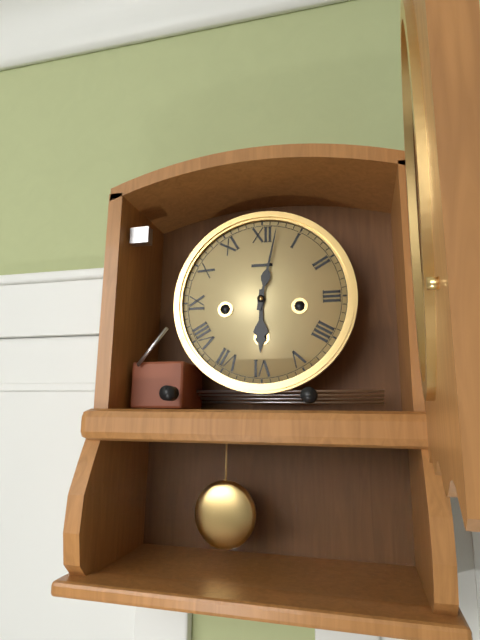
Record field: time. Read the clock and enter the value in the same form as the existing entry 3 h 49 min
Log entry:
6 h 02 min
